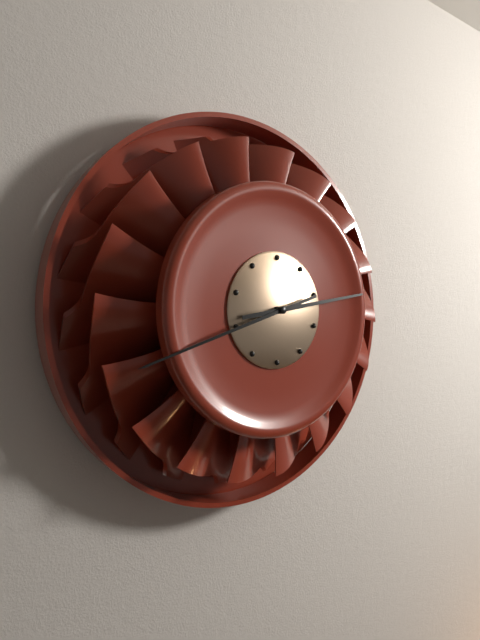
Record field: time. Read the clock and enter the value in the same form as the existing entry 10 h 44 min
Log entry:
2 h 42 min
